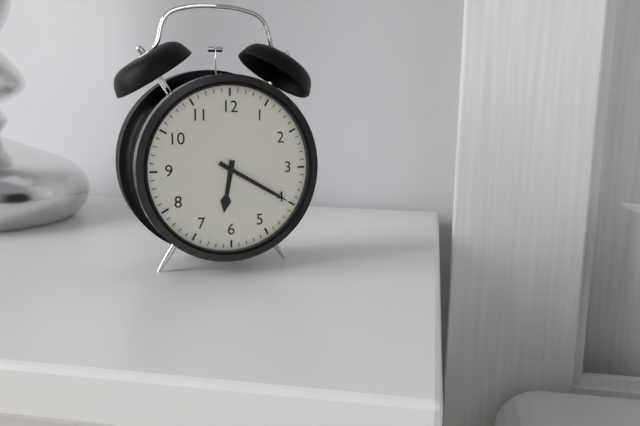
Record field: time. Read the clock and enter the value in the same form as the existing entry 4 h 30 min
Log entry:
6 h 20 min
